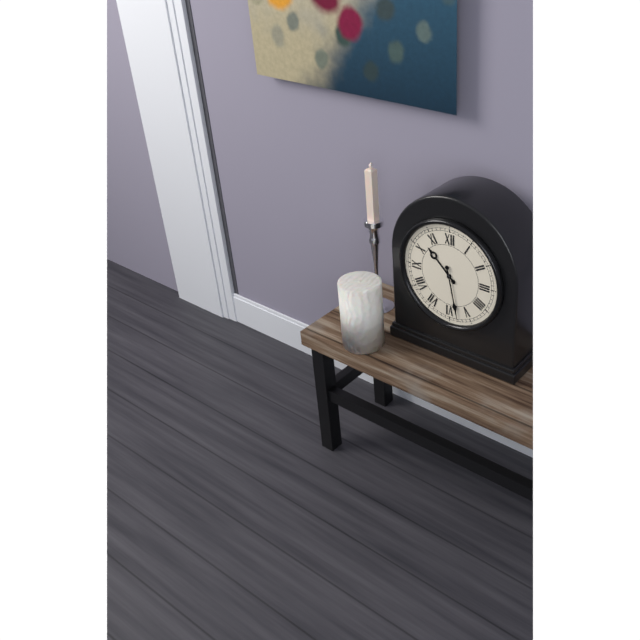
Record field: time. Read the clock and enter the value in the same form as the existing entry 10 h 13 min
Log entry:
10 h 28 min
